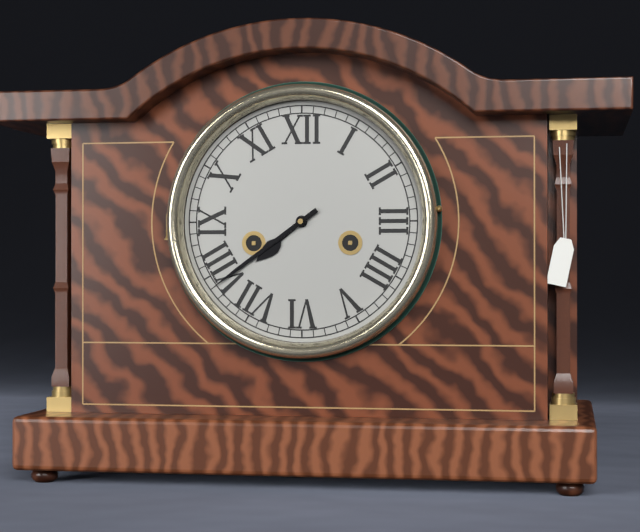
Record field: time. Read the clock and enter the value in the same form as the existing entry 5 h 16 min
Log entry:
7 h 39 min
